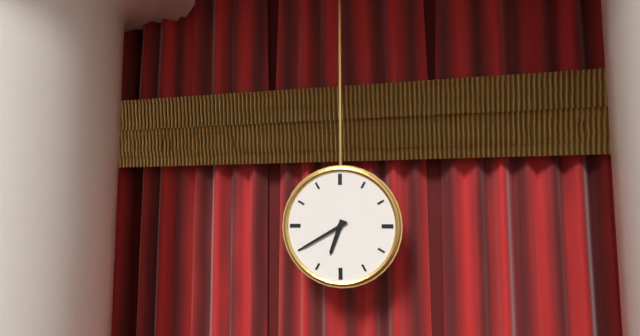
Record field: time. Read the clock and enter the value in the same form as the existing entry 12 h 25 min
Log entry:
6 h 40 min
